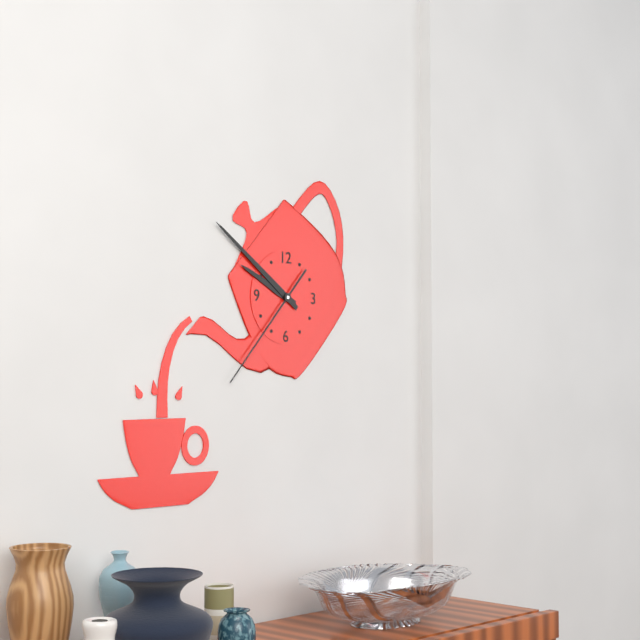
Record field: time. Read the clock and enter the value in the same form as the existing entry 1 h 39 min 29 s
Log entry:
9 h 51 min 37 s
